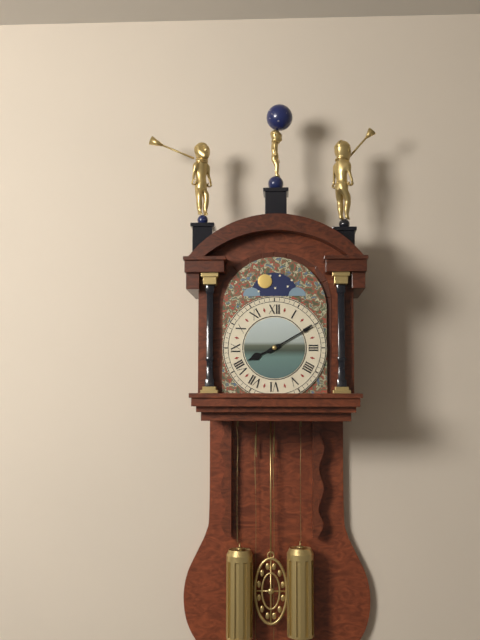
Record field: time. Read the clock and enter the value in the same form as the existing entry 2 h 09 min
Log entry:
8 h 10 min
